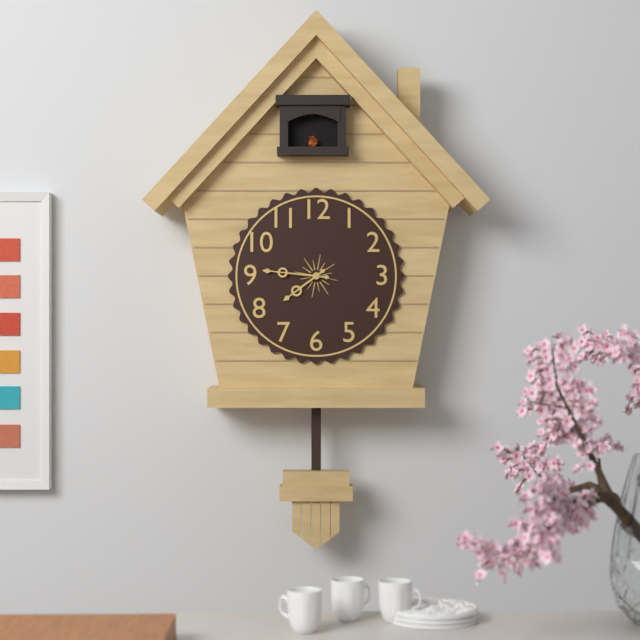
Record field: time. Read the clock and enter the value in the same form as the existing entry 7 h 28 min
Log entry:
7 h 46 min
